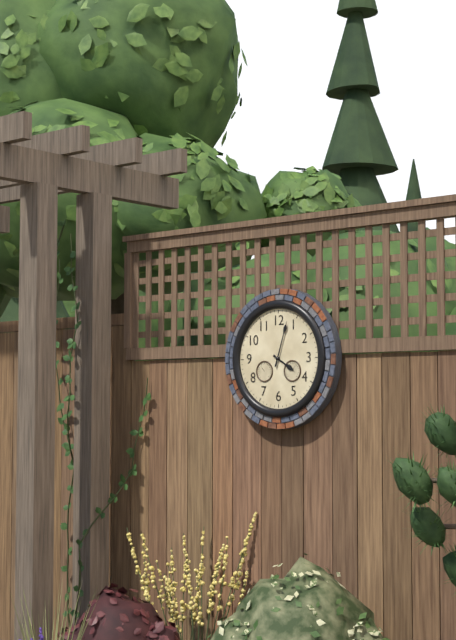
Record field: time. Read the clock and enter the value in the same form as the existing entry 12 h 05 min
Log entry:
4 h 03 min
